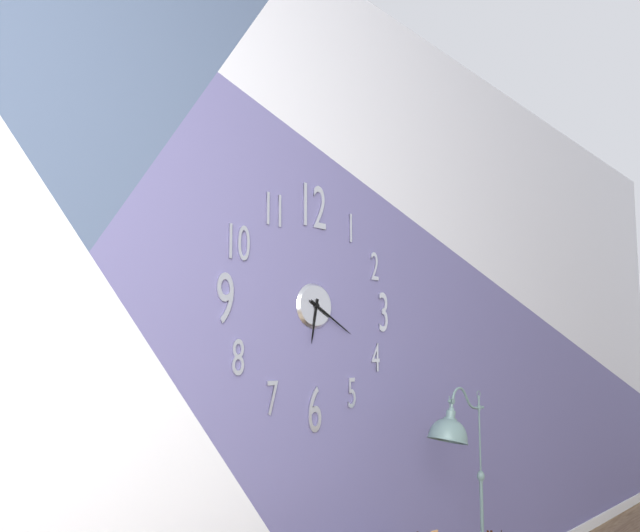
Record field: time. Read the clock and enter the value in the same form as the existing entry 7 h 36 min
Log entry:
6 h 20 min
